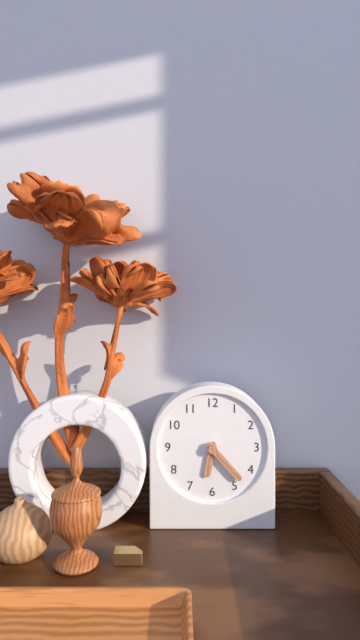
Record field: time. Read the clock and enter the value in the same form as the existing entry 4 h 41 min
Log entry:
6 h 23 min
